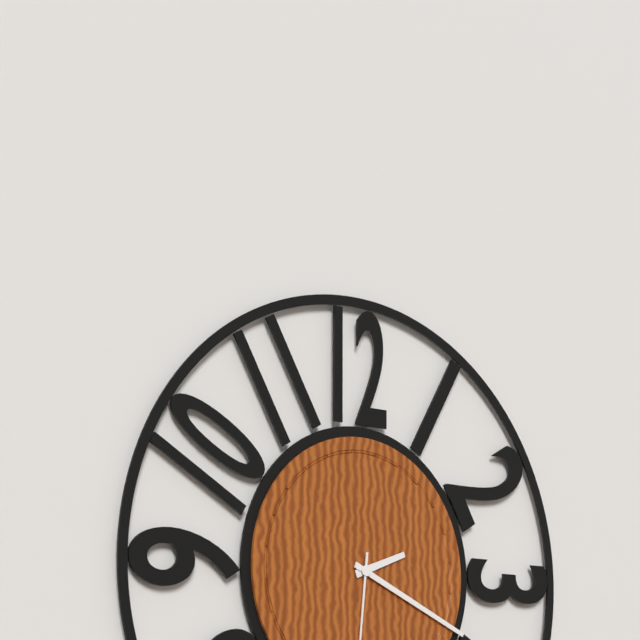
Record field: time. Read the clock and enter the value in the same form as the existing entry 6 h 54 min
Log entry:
2 h 19 min
